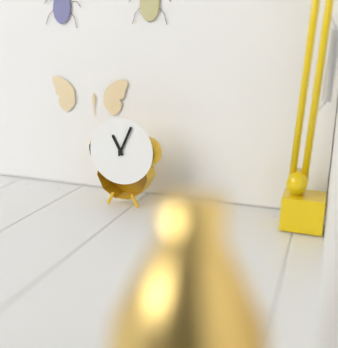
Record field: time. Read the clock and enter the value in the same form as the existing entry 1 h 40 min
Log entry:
11 h 04 min
